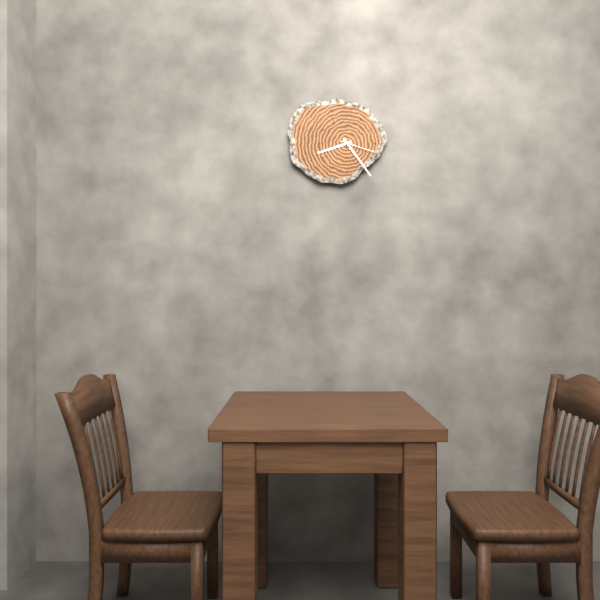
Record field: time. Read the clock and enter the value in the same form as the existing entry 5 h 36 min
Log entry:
8 h 24 min
